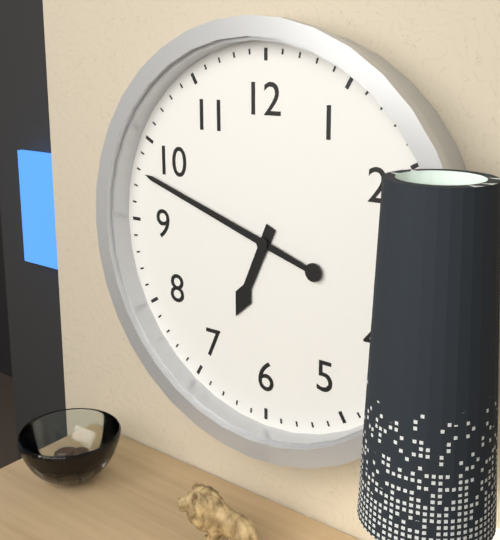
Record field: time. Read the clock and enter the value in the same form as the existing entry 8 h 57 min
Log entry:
6 h 48 min
